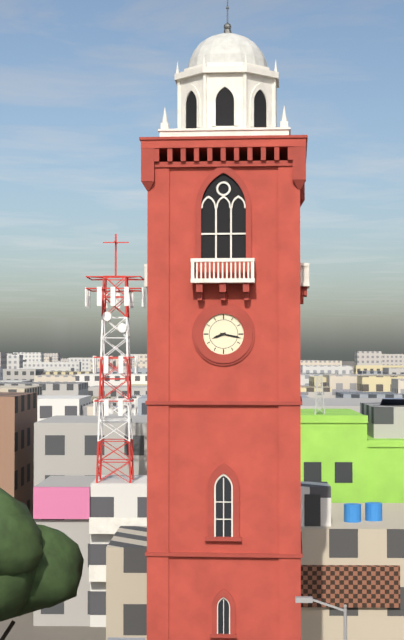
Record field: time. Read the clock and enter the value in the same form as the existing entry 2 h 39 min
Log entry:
8 h 17 min
